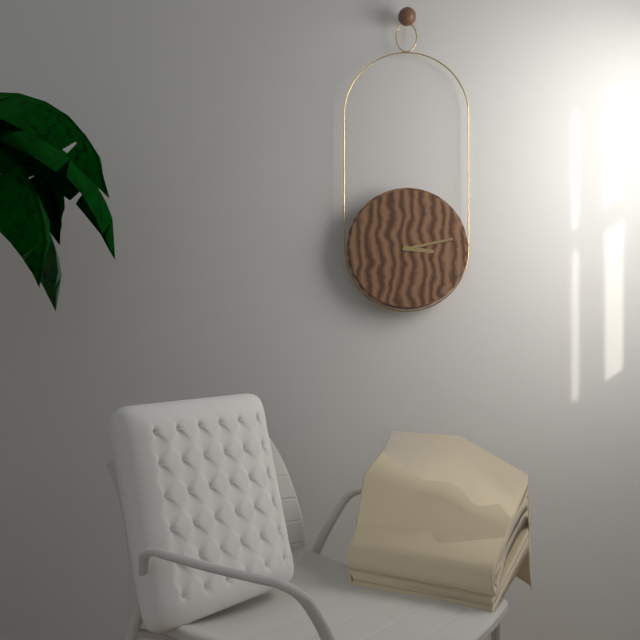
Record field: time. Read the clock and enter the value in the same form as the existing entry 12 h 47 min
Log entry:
3 h 13 min
